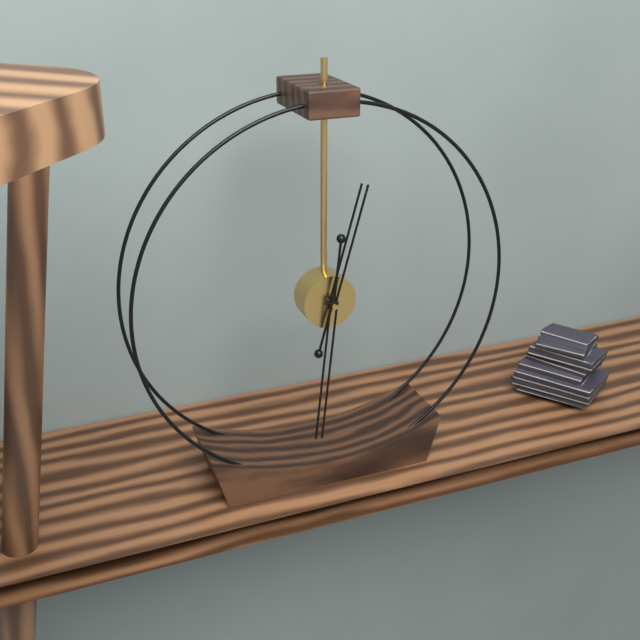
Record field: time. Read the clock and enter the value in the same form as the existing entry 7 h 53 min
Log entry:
12 h 31 min
